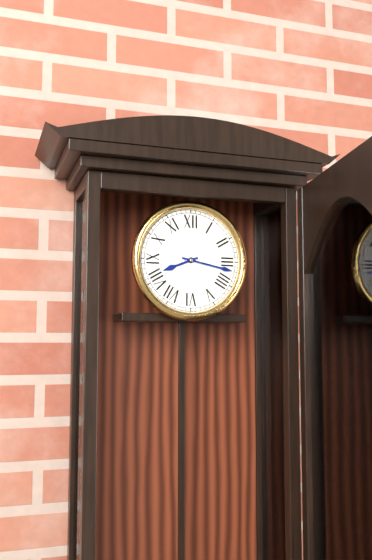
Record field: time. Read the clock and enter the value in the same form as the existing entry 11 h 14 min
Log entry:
8 h 17 min
